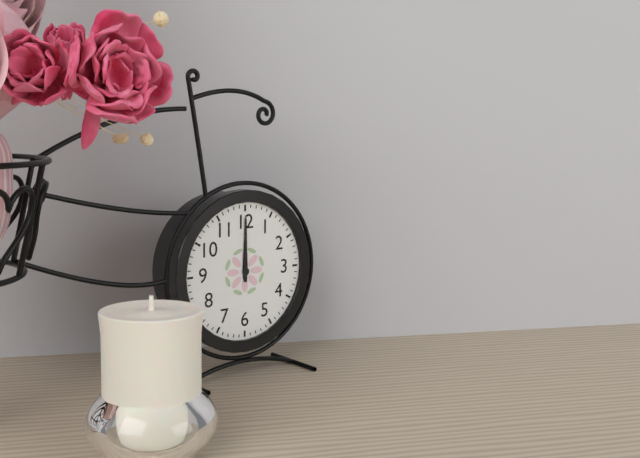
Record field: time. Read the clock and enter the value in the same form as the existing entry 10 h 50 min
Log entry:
12 h 00 min
